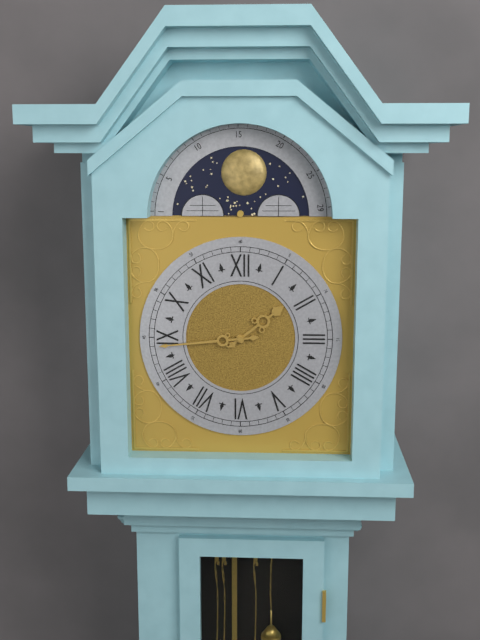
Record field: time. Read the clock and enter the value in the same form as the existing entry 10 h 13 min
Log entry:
1 h 44 min
